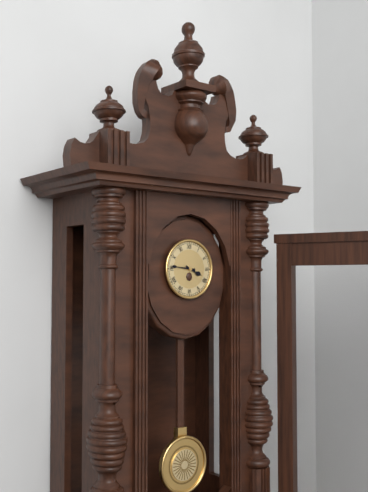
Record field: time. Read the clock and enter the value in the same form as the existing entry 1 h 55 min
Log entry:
3 h 46 min
